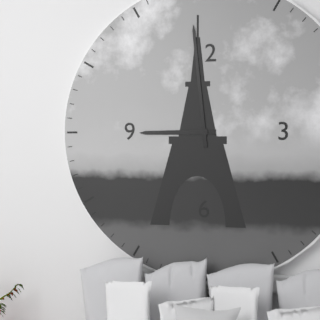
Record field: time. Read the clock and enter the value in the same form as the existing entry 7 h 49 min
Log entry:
8 h 59 min
